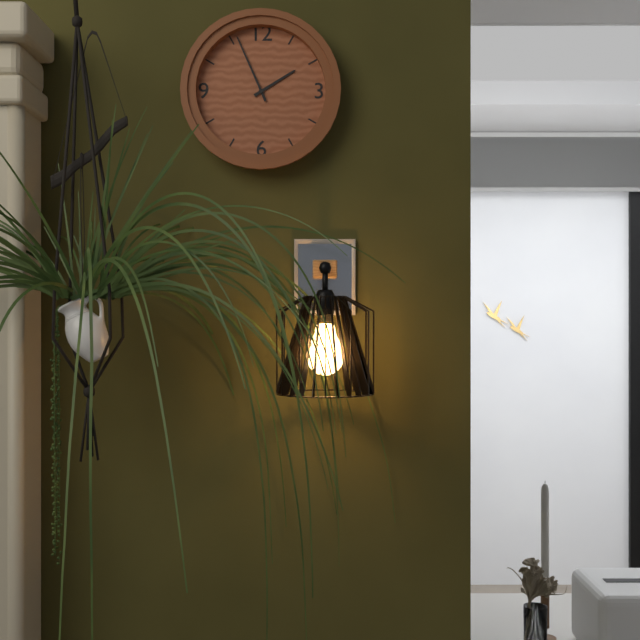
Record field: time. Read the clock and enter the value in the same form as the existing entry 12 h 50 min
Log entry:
1 h 56 min
